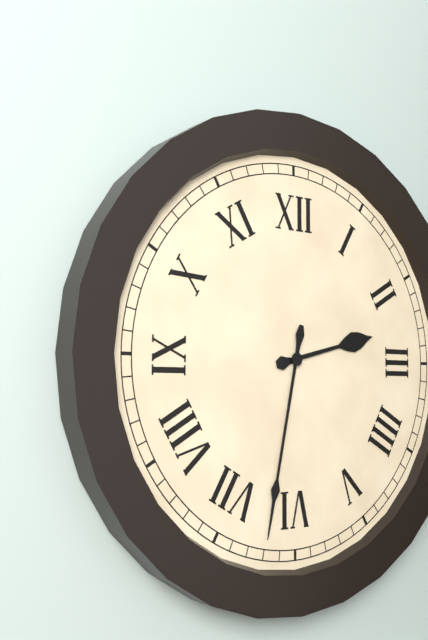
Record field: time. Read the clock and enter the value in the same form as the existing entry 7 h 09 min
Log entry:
2 h 32 min
